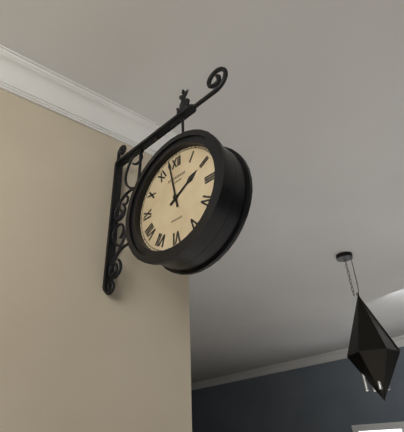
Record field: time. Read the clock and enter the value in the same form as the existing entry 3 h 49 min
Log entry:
1 h 58 min
